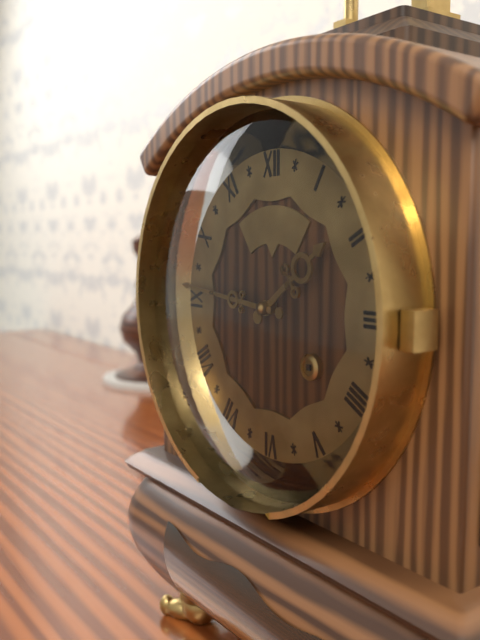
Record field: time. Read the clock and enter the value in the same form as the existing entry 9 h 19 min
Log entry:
1 h 46 min
